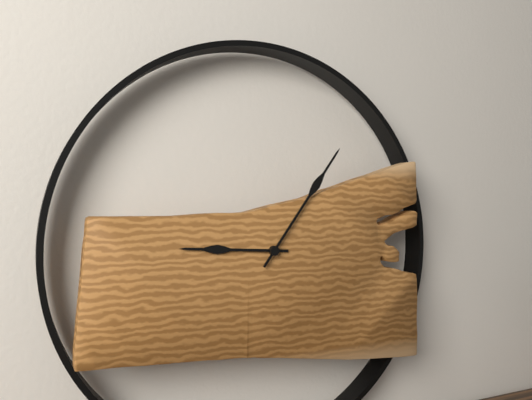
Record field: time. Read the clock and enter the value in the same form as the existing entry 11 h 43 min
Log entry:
9 h 06 min
